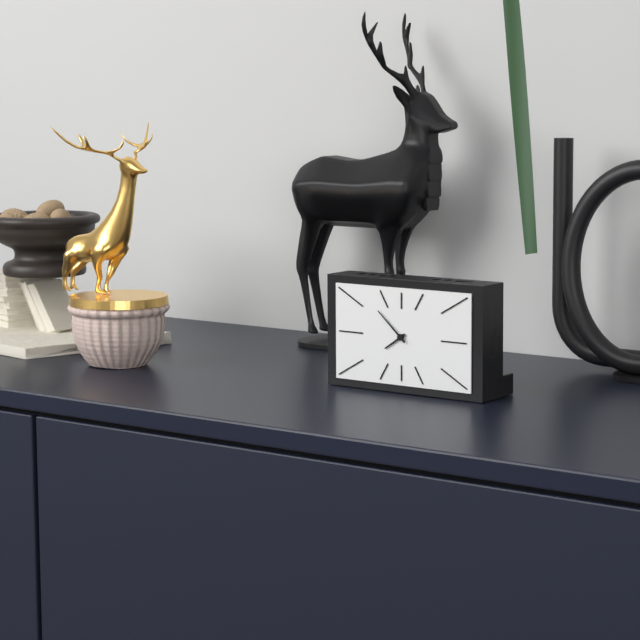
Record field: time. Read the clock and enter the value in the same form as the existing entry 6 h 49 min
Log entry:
7 h 52 min
